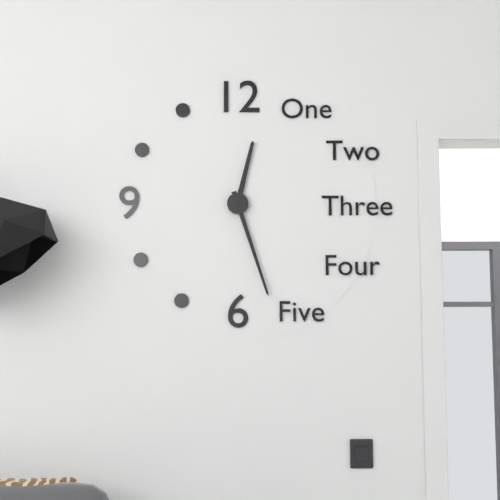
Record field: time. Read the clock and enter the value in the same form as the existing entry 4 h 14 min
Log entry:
12 h 27 min
